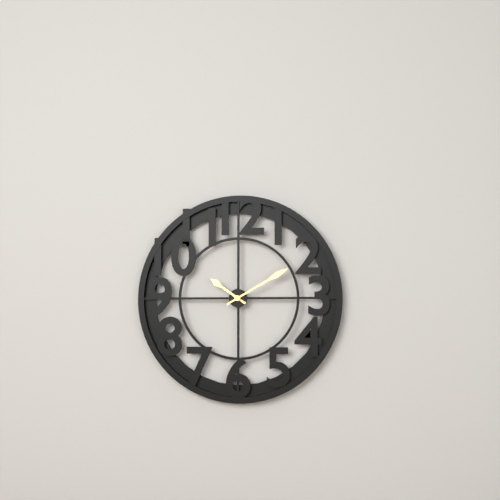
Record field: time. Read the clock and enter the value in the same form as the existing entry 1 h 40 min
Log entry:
10 h 10 min
